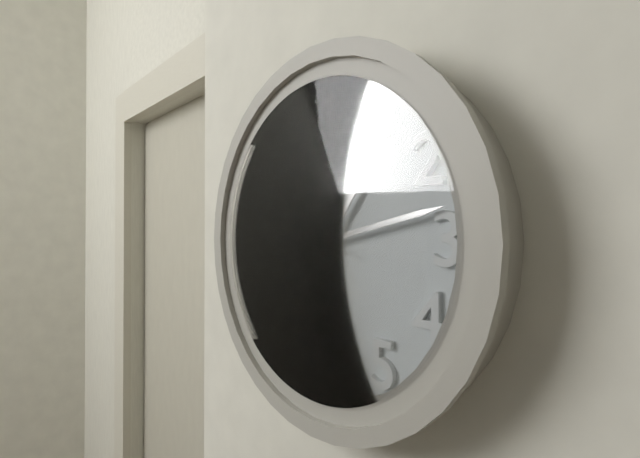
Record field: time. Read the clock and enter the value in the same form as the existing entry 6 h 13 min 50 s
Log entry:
1 h 13 min 49 s
